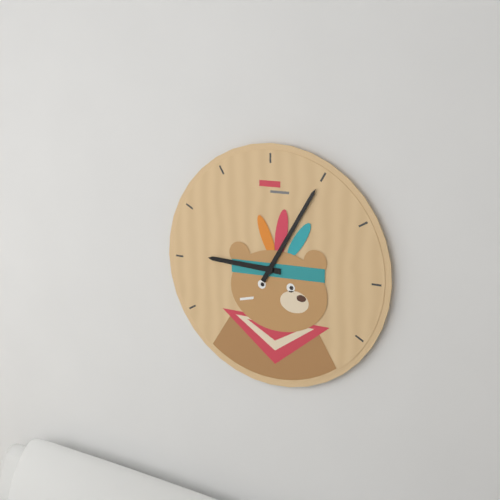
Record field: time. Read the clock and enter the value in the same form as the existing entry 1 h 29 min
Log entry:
9 h 05 min
